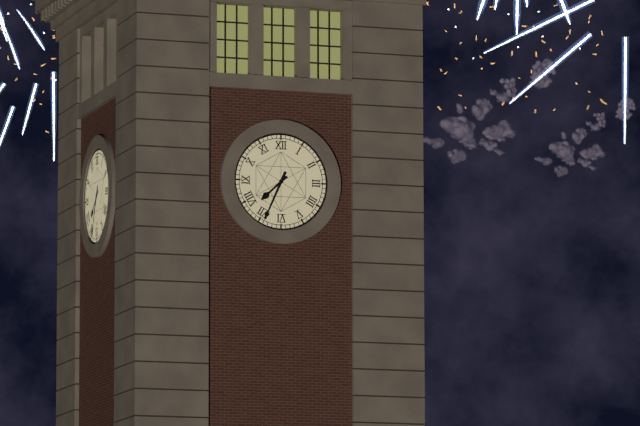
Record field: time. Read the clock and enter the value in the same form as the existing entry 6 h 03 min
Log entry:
7 h 34 min
